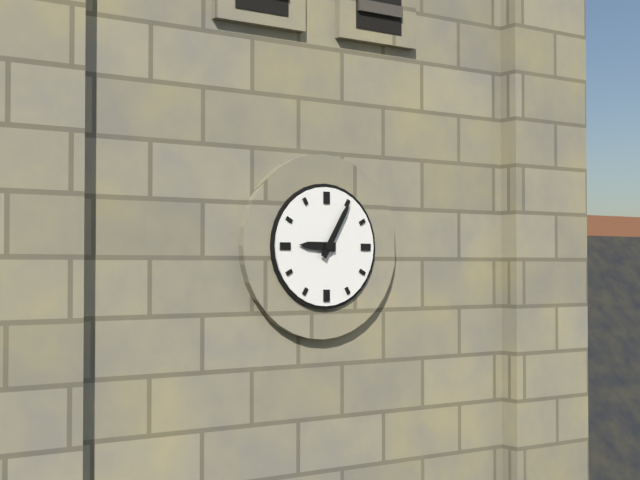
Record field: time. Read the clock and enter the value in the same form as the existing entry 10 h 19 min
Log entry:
9 h 05 min
